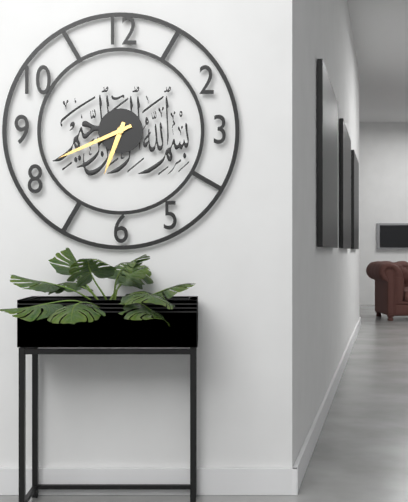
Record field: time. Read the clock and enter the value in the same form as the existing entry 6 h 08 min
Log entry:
6 h 41 min
